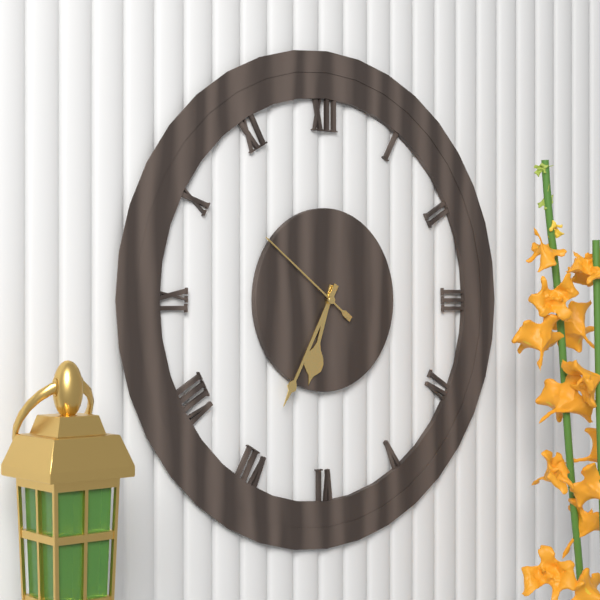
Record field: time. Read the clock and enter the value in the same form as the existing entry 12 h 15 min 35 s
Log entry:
6 h 35 min 51 s
